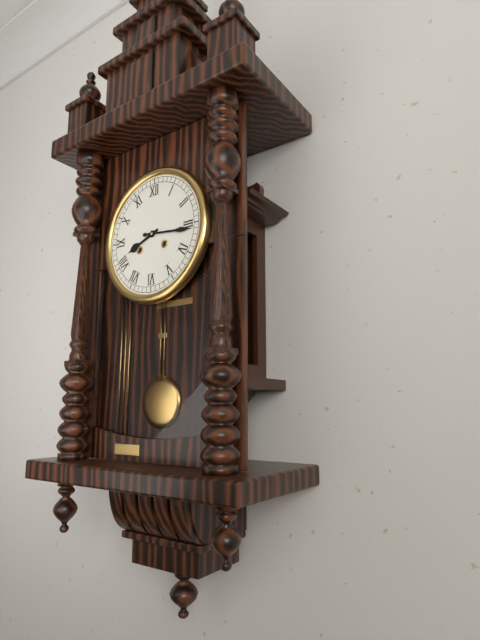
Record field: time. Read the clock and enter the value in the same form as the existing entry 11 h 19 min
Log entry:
8 h 16 min
